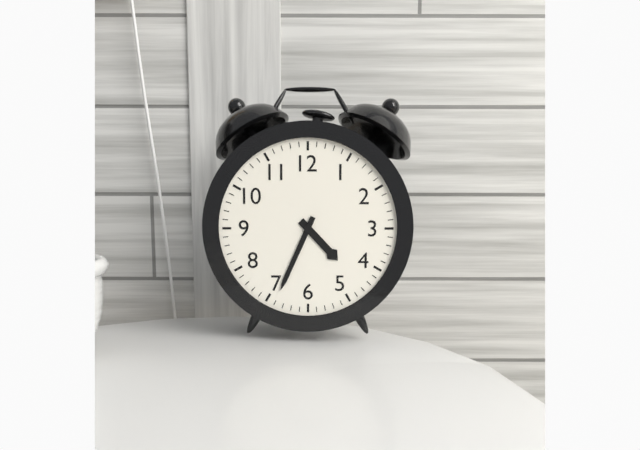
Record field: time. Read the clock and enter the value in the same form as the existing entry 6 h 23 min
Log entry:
4 h 34 min
